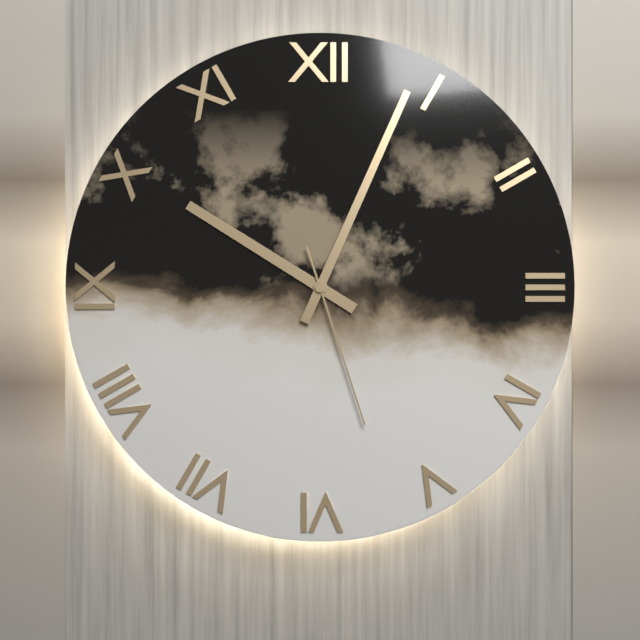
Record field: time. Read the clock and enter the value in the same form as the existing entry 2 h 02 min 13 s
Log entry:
10 h 04 min 27 s
